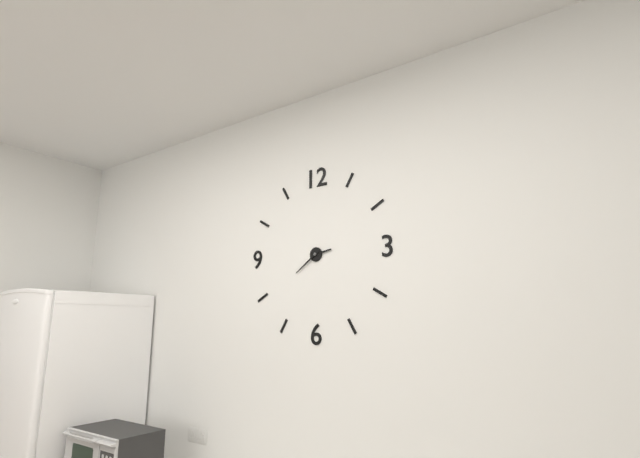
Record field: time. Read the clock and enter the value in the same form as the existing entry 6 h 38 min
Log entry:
2 h 39 min
